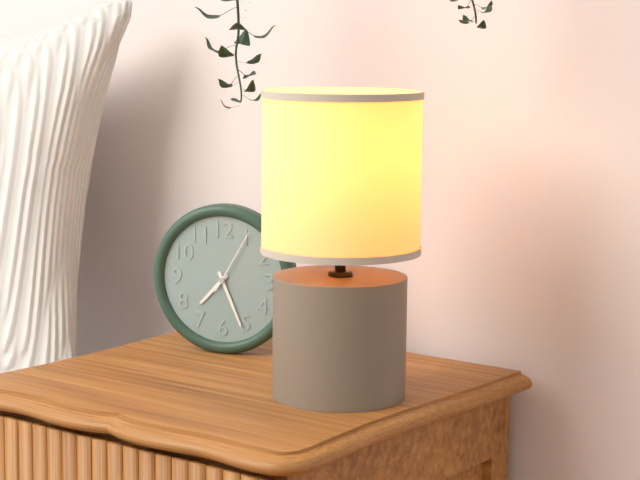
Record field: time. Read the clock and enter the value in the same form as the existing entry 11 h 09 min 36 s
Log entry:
7 h 26 min 05 s
